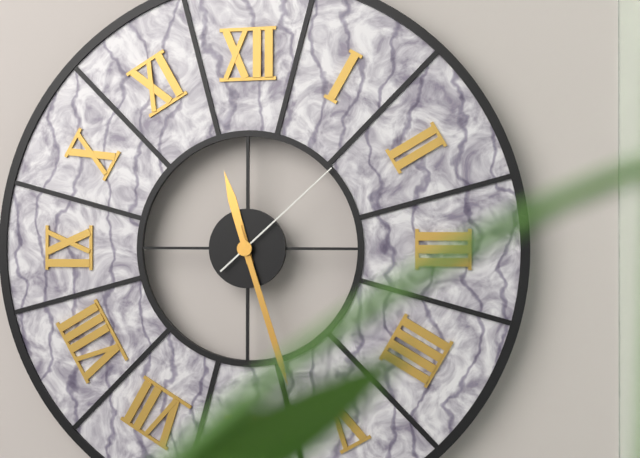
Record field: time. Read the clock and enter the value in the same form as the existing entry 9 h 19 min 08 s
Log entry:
11 h 27 min 08 s
